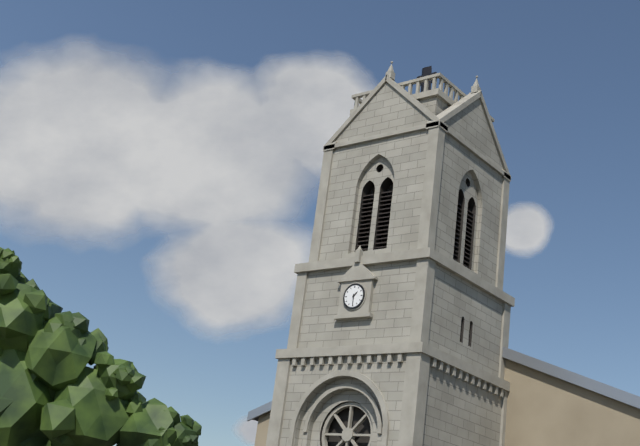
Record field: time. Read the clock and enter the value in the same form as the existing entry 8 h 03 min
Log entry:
1 h 30 min
